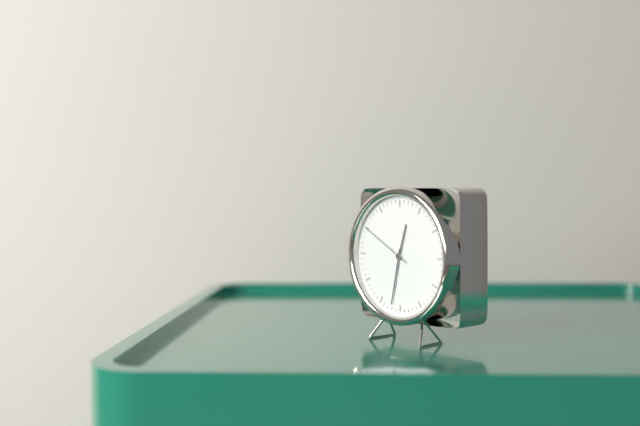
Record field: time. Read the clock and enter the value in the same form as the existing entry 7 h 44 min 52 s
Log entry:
12 h 32 min 50 s
